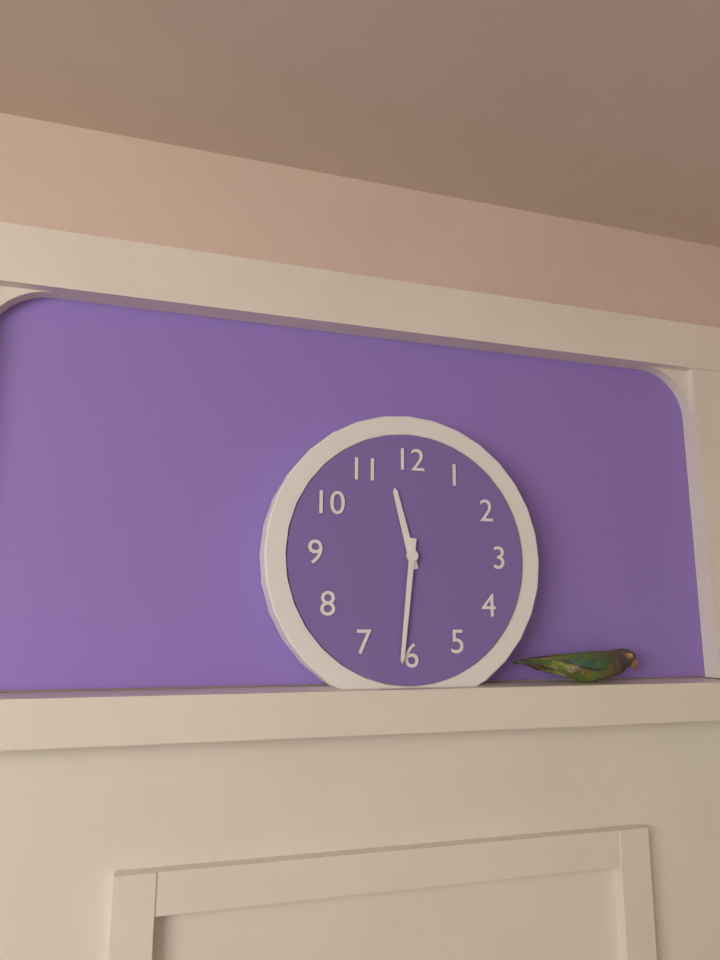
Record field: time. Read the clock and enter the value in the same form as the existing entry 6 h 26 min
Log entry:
11 h 31 min
